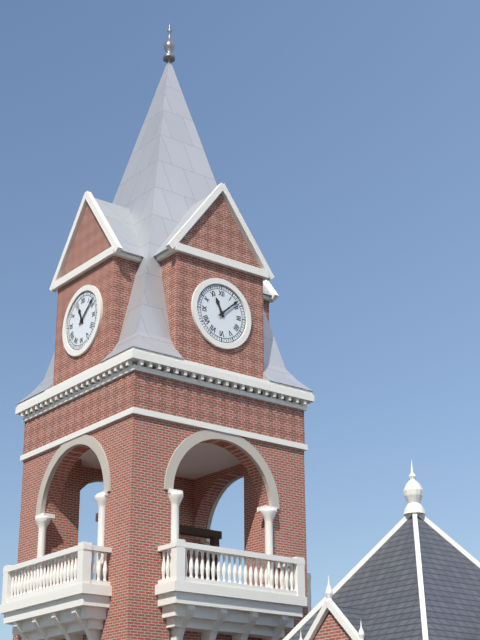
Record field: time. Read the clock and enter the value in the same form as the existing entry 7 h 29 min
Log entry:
11 h 08 min
